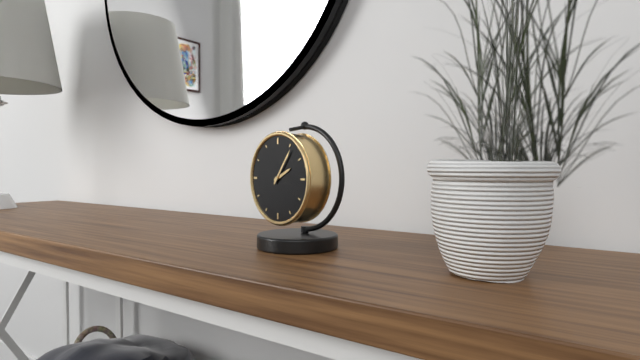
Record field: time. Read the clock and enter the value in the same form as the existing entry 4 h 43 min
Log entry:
2 h 06 min
